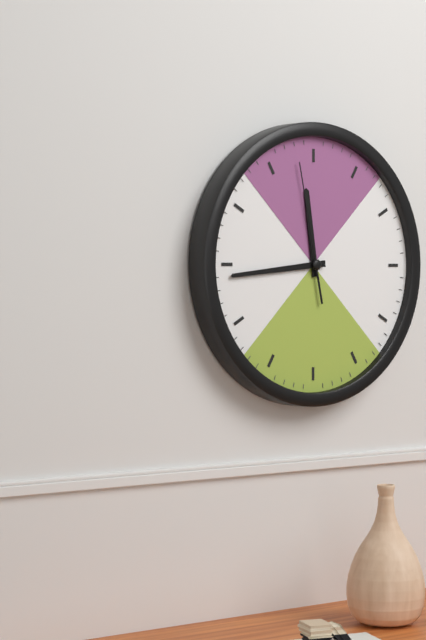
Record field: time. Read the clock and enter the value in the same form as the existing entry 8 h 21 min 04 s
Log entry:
11 h 44 min 58 s
